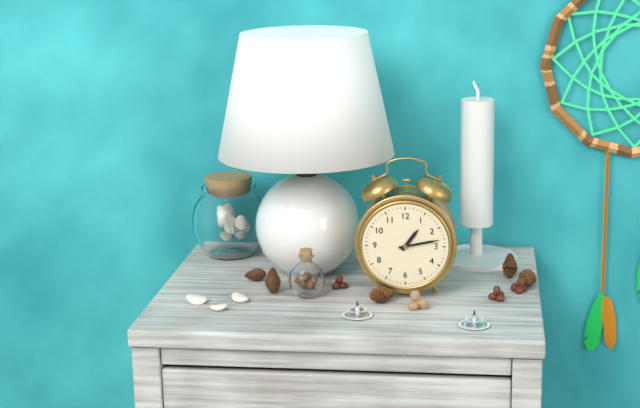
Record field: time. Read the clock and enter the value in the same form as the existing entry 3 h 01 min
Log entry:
1 h 13 min
